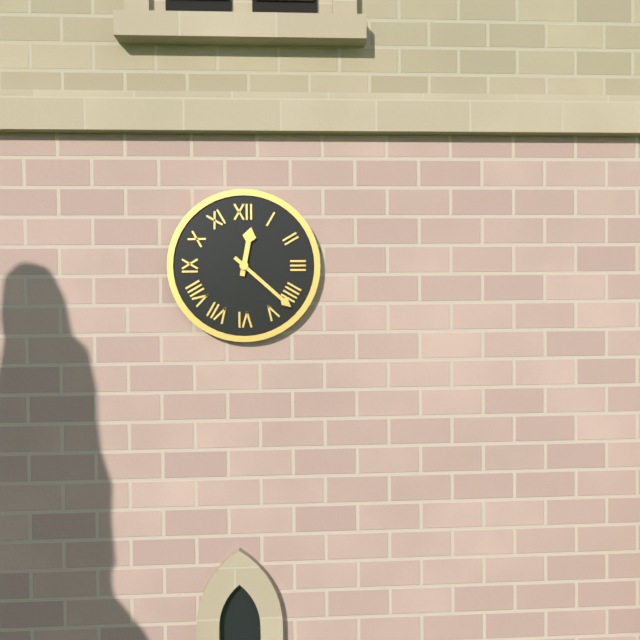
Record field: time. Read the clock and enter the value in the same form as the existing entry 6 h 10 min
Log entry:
12 h 22 min
